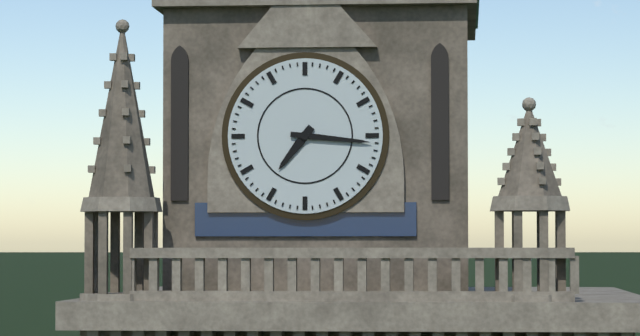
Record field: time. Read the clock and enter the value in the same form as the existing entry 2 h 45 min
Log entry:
7 h 16 min
